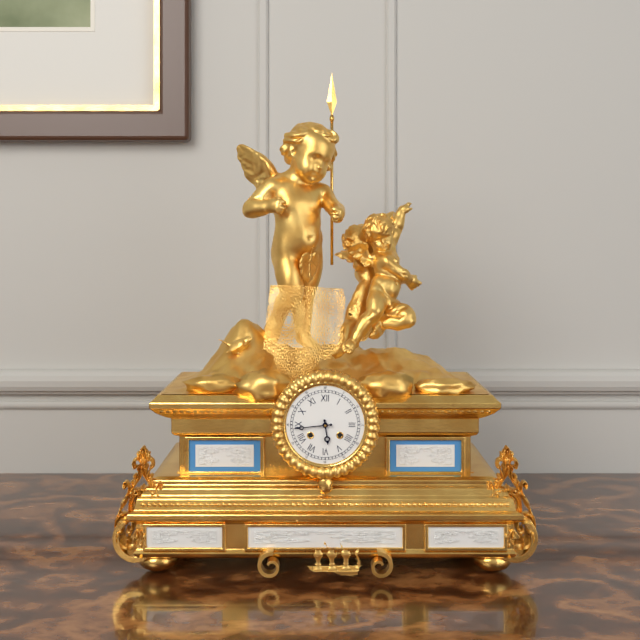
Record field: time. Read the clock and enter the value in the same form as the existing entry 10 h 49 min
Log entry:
5 h 44 min
